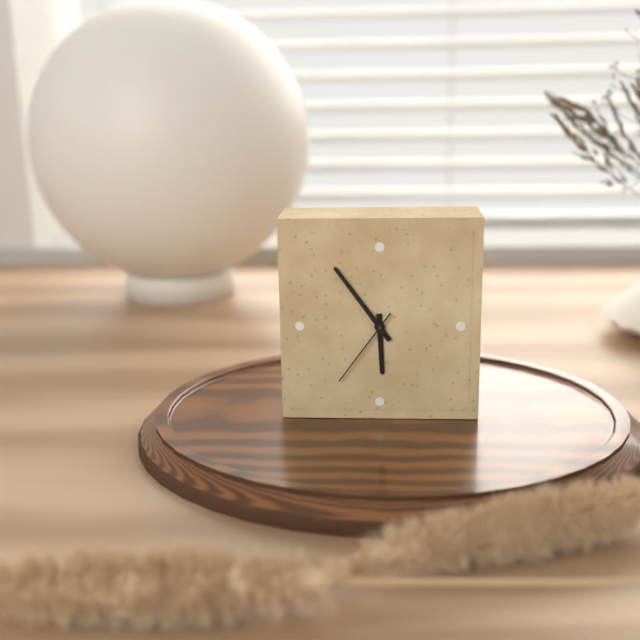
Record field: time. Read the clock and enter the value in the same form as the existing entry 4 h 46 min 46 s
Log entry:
5 h 54 min 36 s
